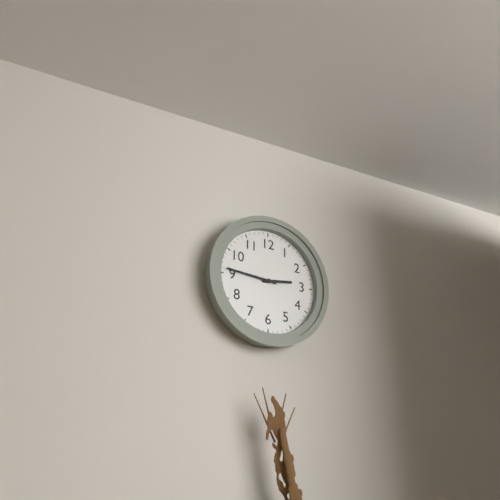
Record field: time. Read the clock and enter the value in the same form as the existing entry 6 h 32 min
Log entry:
2 h 46 min
